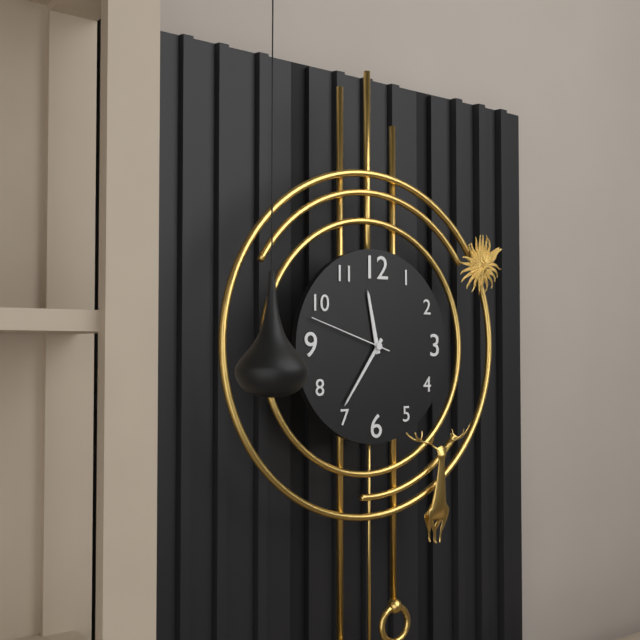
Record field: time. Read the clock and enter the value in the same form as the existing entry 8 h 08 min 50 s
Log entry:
11 h 36 min 48 s
